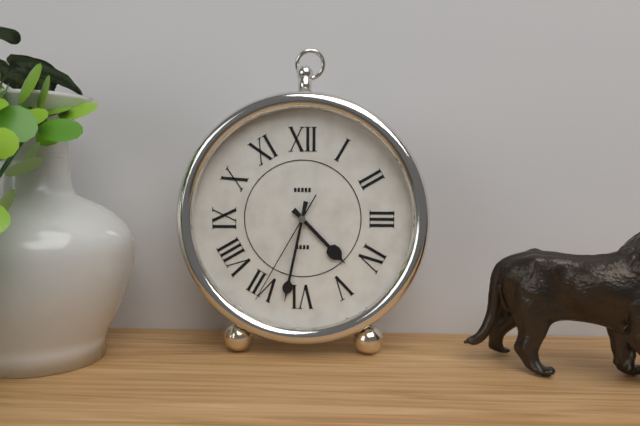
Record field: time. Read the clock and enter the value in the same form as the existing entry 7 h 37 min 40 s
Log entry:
4 h 32 min 35 s
